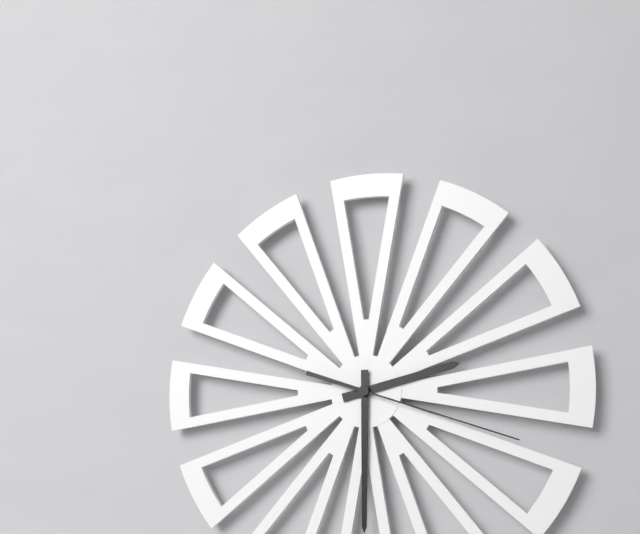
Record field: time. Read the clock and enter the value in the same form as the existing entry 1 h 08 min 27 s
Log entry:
2 h 30 min 18 s
